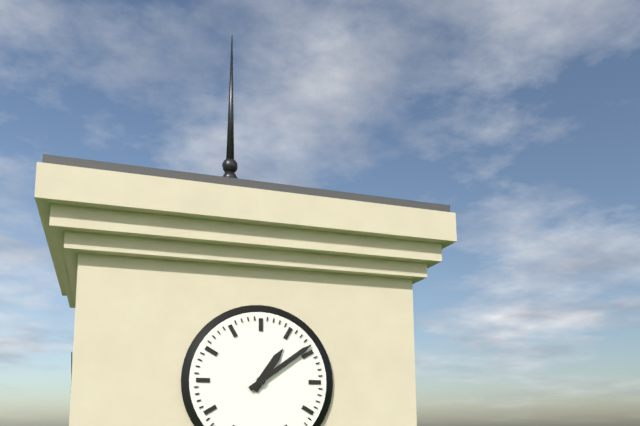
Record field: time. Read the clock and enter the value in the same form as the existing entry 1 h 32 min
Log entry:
1 h 09 min
